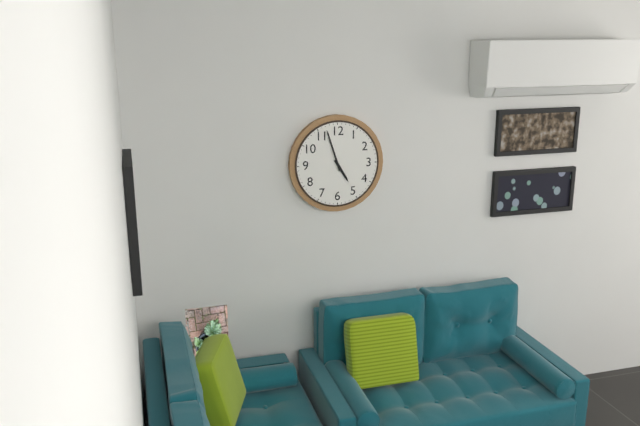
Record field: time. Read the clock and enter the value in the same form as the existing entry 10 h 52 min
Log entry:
4 h 57 min
